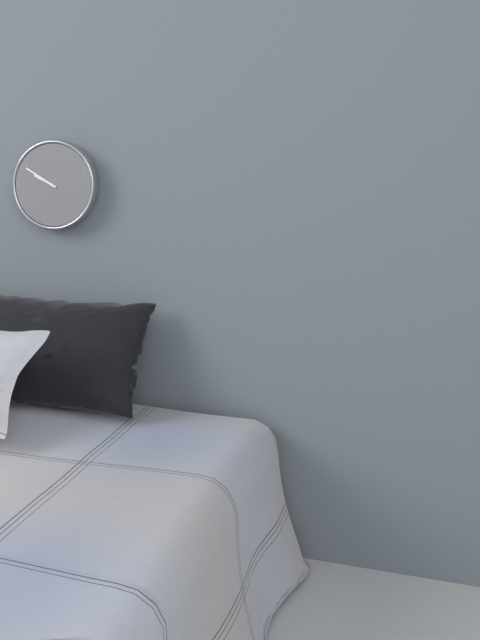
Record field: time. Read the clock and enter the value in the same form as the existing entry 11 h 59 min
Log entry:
9 h 50 min
